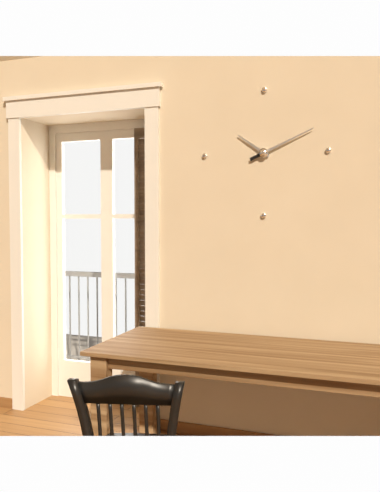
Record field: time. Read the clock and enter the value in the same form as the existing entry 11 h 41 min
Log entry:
10 h 11 min
